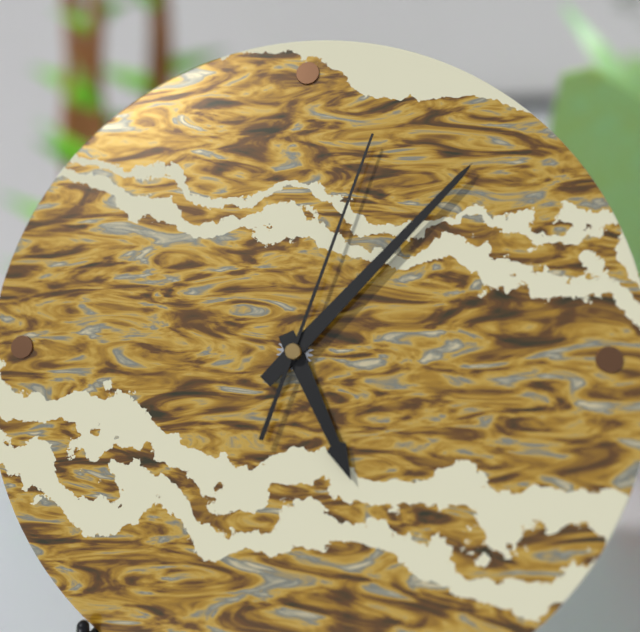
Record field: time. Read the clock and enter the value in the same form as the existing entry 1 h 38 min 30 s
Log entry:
5 h 07 min 03 s
